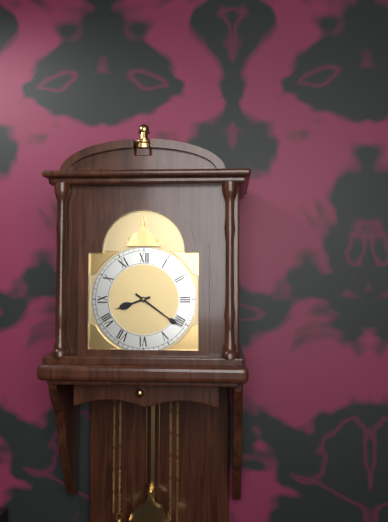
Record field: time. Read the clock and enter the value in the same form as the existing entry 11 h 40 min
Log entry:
8 h 21 min
